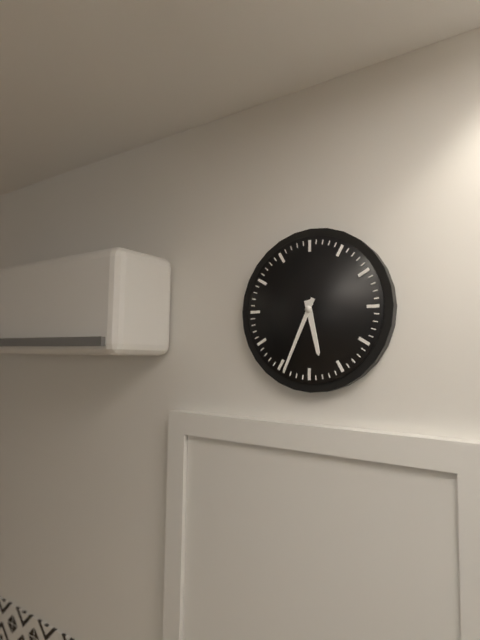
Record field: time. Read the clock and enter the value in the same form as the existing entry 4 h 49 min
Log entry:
5 h 34 min
